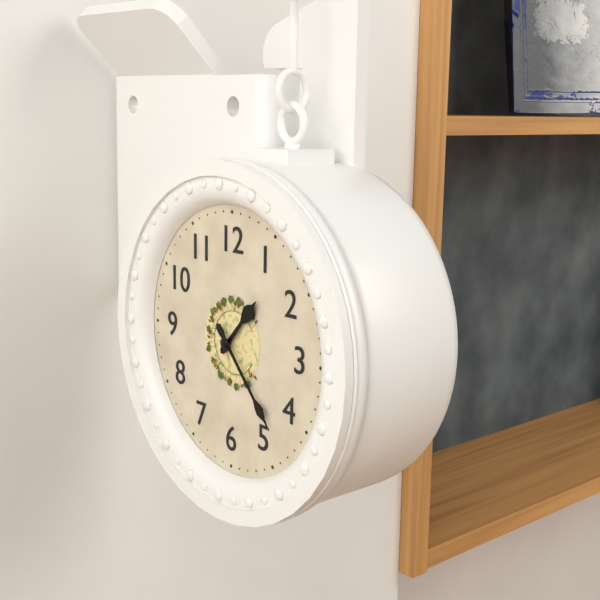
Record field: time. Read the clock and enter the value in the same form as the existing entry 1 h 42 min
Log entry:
1 h 23 min
